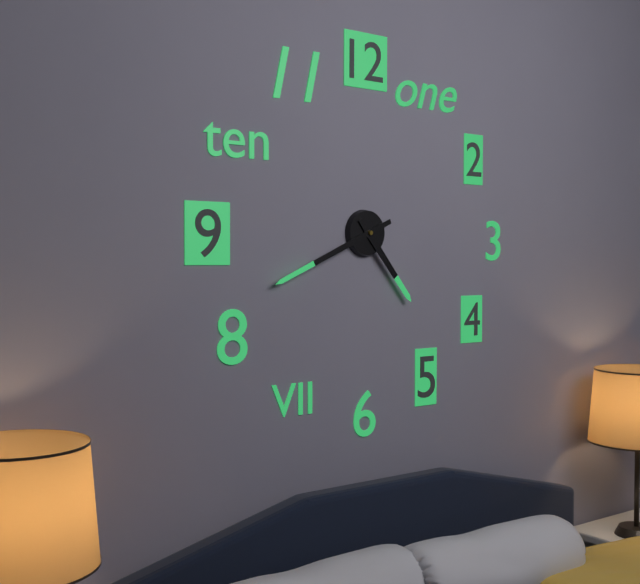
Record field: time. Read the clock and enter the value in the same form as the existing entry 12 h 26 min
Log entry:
4 h 41 min
